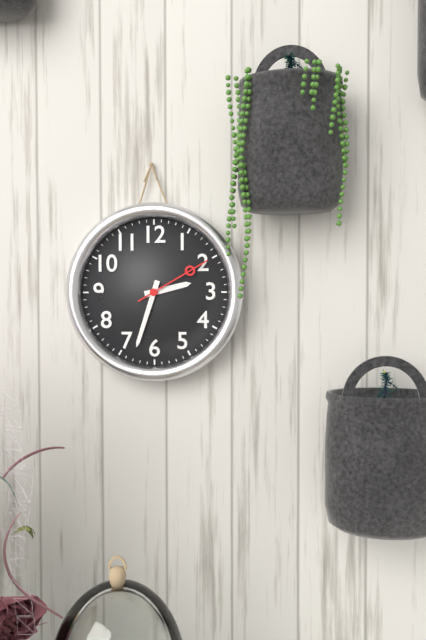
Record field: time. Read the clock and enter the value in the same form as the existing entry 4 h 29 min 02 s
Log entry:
2 h 33 min 10 s
